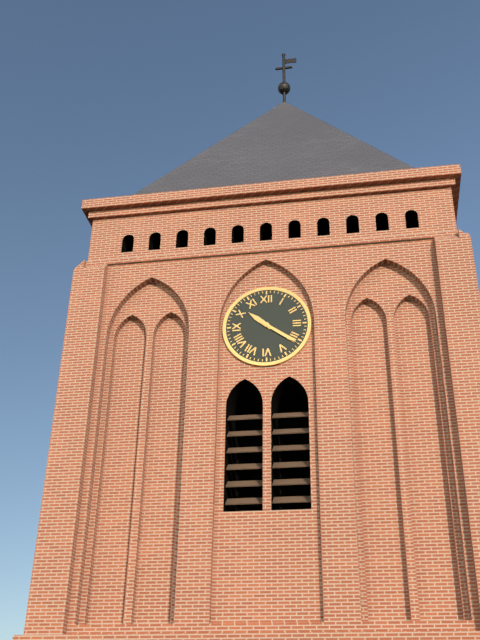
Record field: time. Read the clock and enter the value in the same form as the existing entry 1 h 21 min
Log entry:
10 h 21 min
